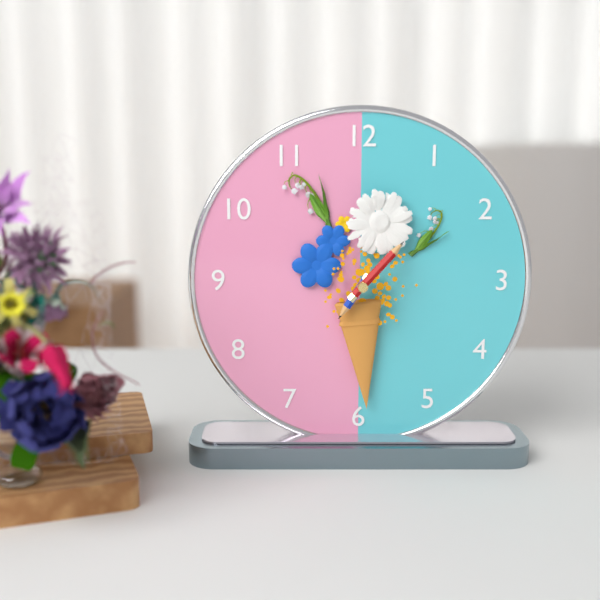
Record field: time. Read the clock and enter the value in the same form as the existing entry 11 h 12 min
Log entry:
7 h 07 min
